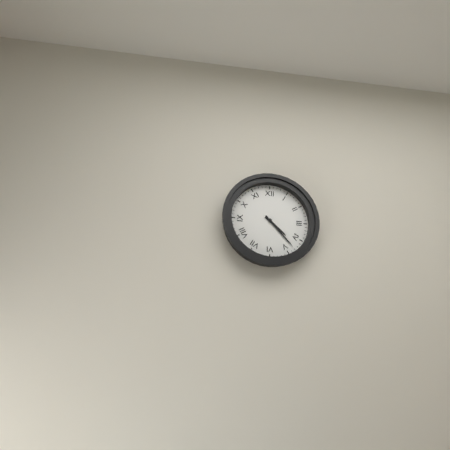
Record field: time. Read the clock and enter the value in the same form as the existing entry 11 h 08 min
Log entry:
4 h 23 min
